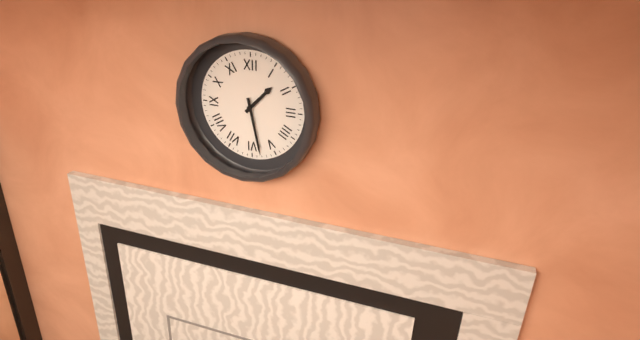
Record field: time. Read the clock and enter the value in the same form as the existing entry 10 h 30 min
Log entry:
1 h 28 min
